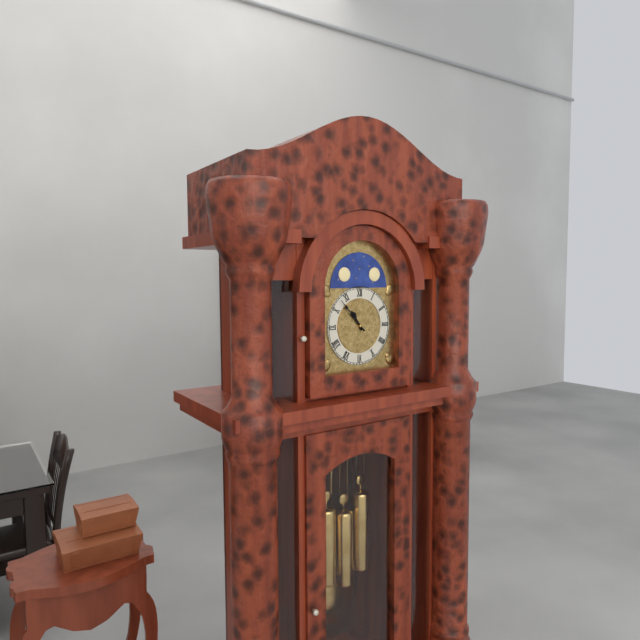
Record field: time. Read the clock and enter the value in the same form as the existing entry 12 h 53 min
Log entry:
10 h 53 min
